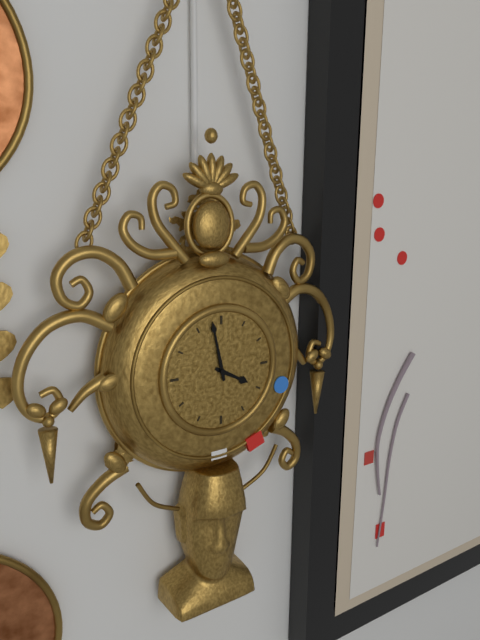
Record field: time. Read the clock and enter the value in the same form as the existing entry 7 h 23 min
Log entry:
3 h 58 min
